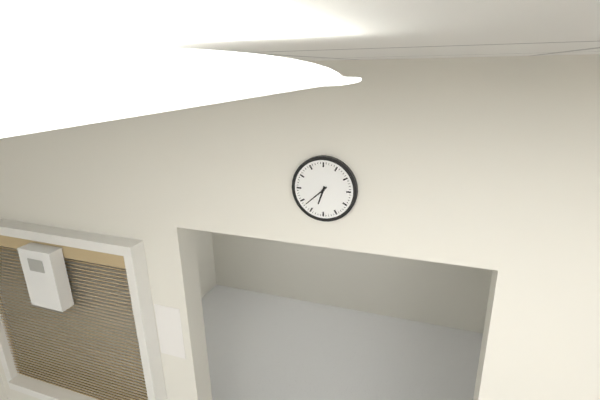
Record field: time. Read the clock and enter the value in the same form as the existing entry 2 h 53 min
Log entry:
6 h 38 min
